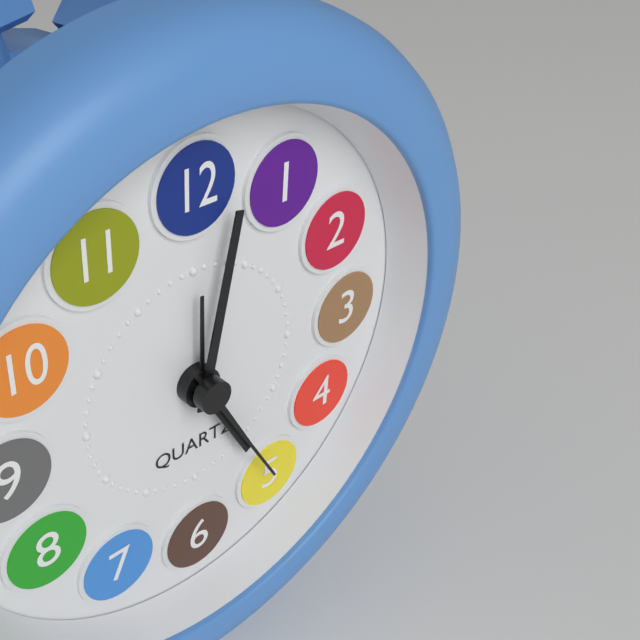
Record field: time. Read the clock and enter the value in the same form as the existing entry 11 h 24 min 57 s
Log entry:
5 h 02 min 25 s
